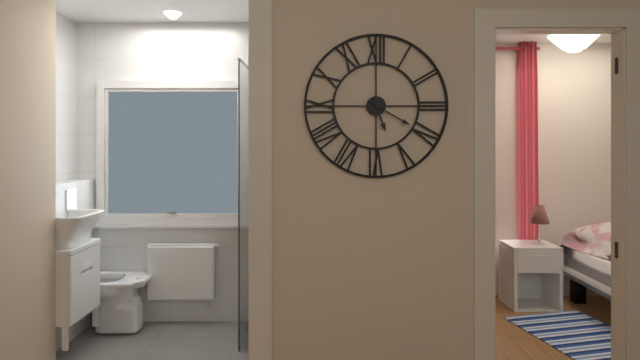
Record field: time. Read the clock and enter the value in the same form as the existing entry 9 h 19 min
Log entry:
5 h 20 min
